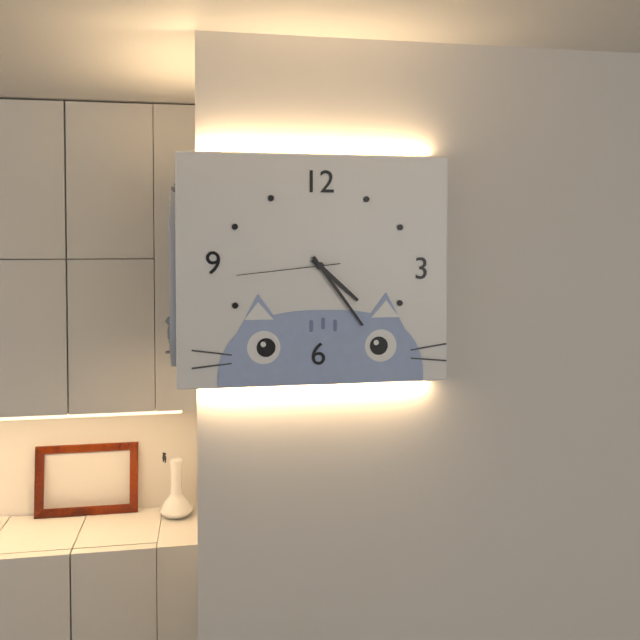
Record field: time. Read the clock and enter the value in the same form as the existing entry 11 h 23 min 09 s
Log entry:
4 h 24 min 44 s
